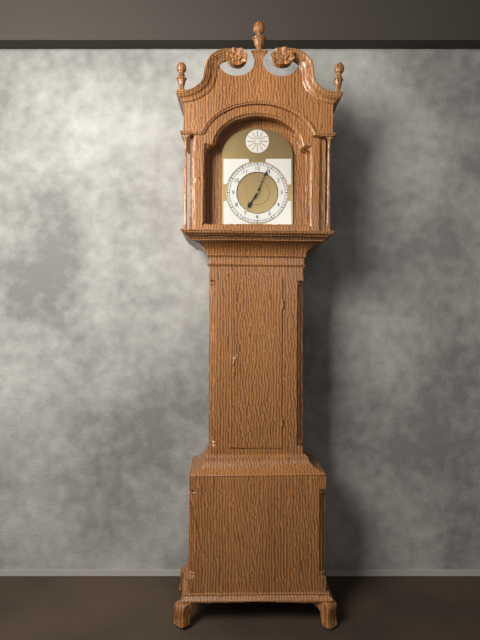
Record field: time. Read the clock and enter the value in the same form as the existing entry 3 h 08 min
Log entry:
7 h 04 min
